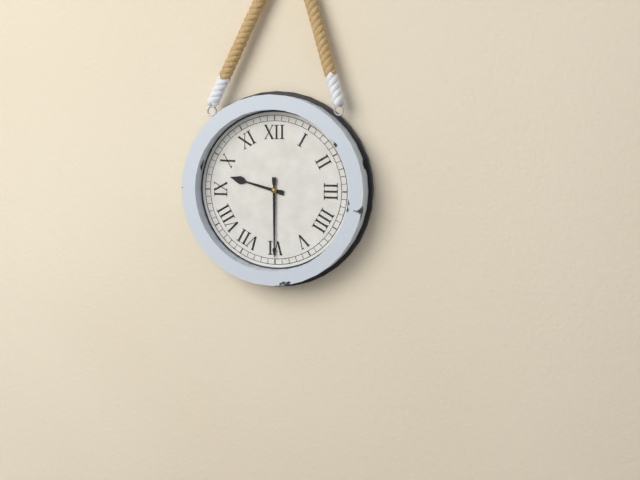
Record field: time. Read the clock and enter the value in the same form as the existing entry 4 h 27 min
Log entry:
9 h 30 min
